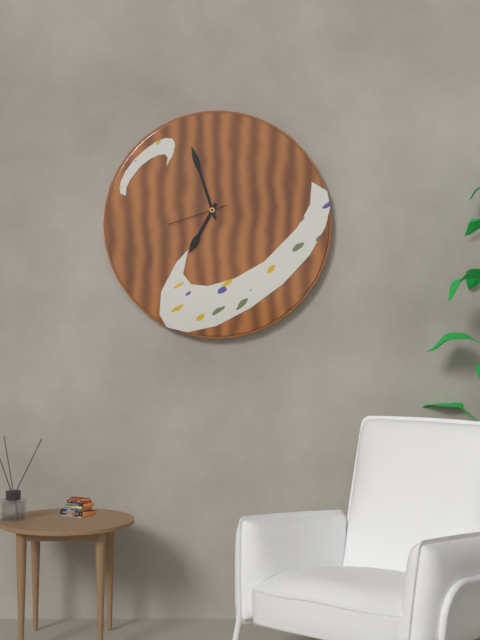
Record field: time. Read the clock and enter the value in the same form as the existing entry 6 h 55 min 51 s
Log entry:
6 h 57 min 42 s
